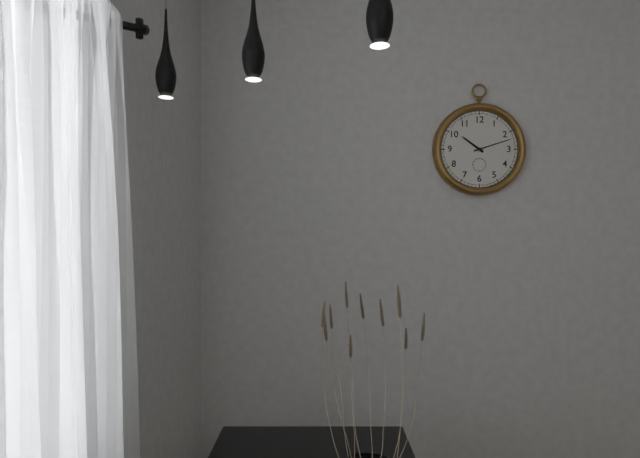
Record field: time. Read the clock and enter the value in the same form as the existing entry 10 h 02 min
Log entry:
10 h 12 min
